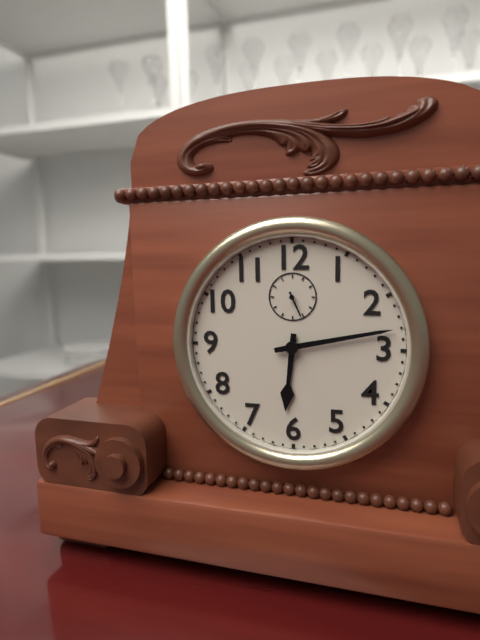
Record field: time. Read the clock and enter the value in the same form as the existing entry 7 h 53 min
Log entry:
6 h 13 min
